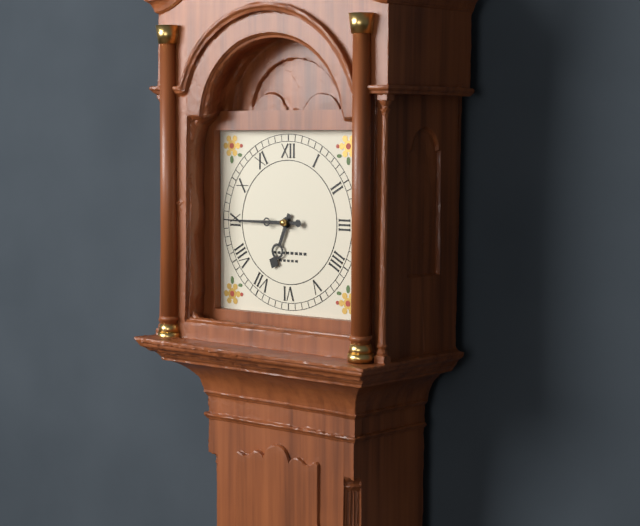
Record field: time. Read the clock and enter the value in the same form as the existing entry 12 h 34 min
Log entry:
6 h 45 min
